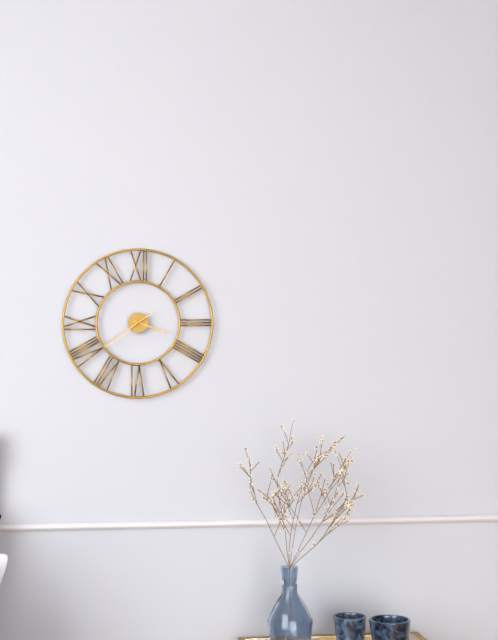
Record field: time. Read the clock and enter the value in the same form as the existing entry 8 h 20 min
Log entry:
3 h 39 min
